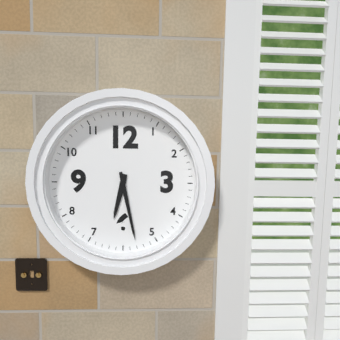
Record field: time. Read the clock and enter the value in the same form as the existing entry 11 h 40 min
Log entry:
6 h 28 min
